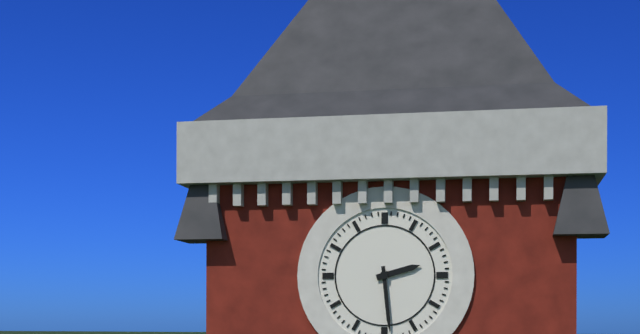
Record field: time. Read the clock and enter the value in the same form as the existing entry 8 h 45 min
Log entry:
2 h 29 min
